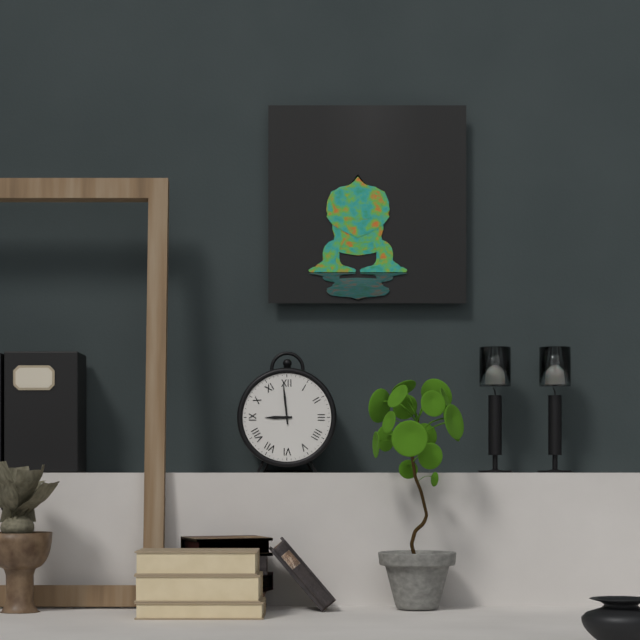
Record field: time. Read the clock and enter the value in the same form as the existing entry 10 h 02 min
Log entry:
8 h 59 min
